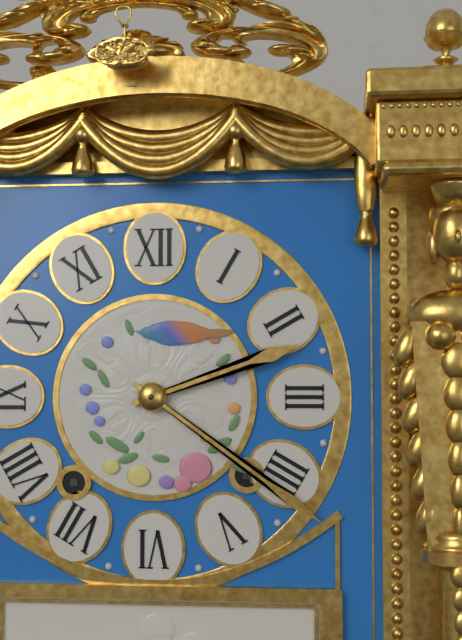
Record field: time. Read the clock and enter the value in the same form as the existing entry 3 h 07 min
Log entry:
2 h 21 min
